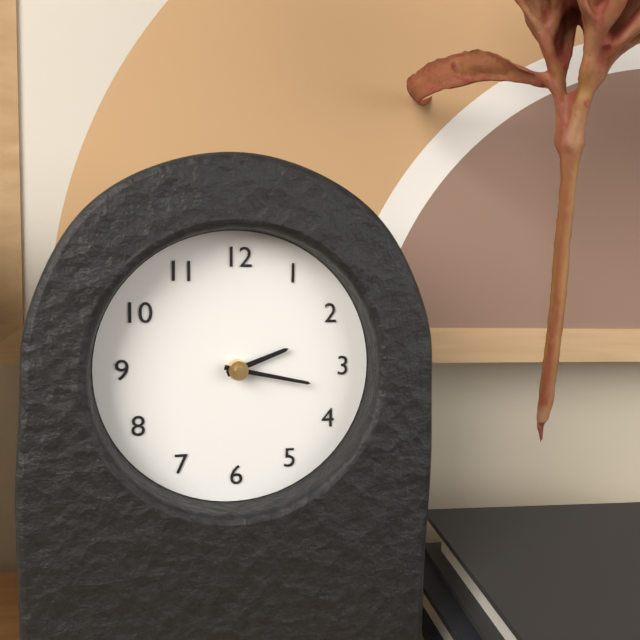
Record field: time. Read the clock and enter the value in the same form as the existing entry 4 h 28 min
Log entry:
2 h 17 min
